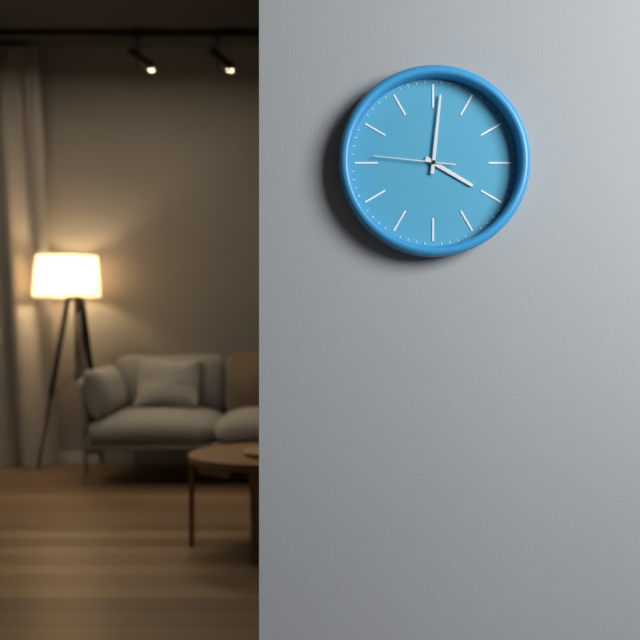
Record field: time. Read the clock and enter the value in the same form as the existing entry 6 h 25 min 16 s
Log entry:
4 h 01 min 46 s
